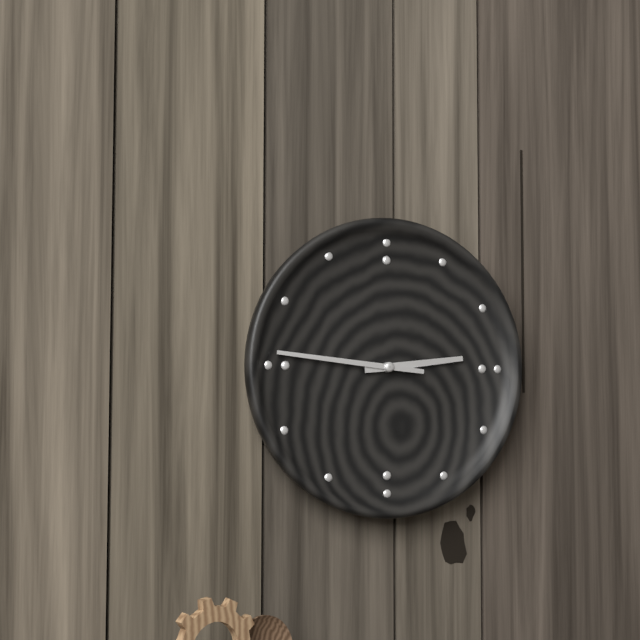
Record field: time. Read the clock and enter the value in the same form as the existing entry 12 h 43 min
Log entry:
2 h 46 min
